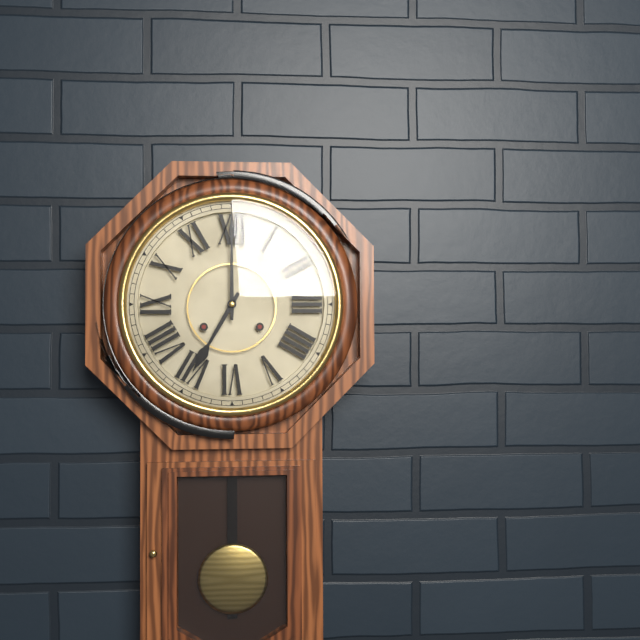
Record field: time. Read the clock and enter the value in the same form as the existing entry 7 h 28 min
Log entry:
7 h 00 min
